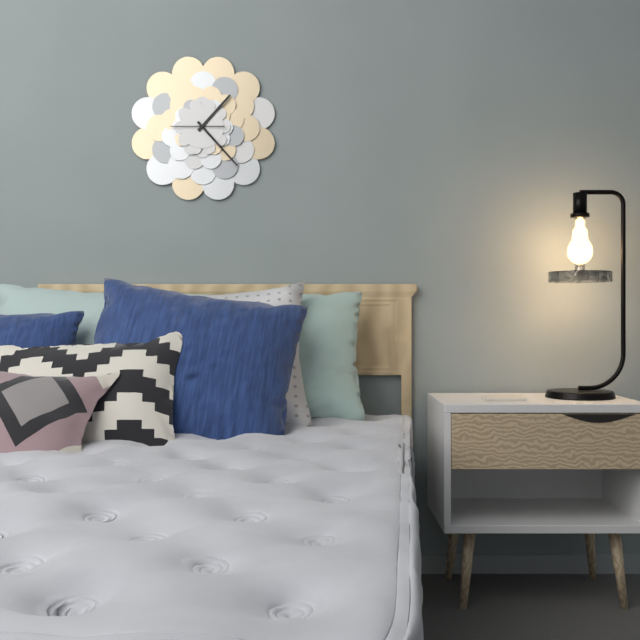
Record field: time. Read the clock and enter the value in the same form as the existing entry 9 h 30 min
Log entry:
1 h 23 min
